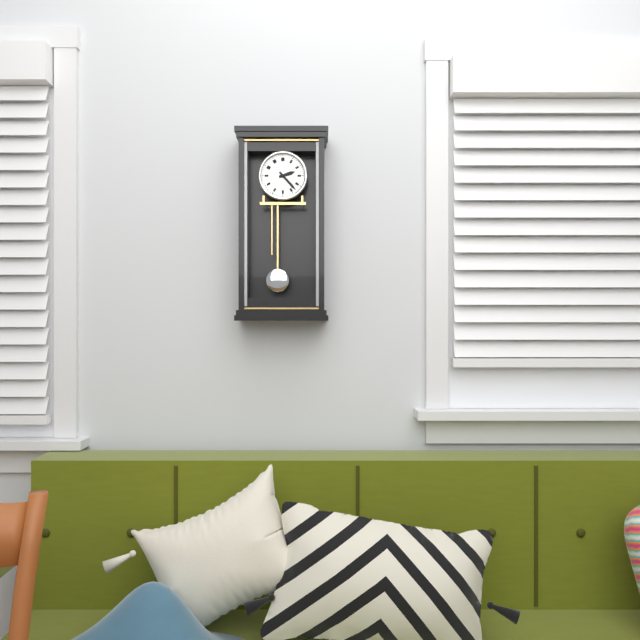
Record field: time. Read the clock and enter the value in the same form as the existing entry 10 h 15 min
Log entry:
2 h 23 min
